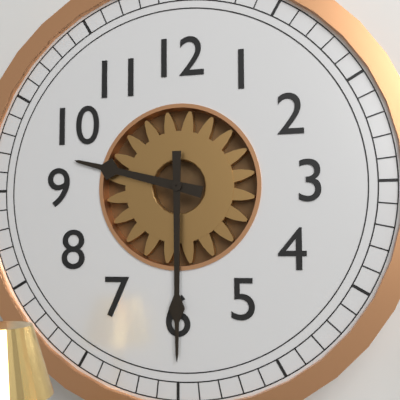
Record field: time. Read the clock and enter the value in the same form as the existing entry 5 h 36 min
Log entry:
9 h 30 min
